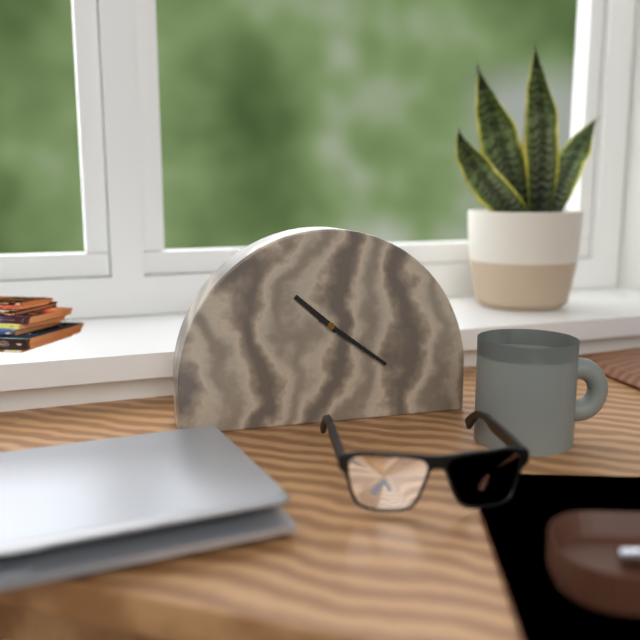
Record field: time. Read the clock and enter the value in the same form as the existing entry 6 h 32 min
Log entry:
10 h 21 min
